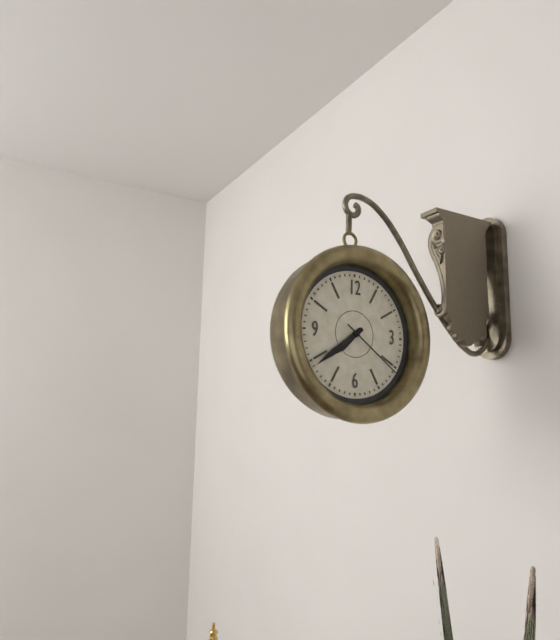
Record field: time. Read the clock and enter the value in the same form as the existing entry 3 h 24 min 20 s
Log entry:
7 h 39 min 21 s
